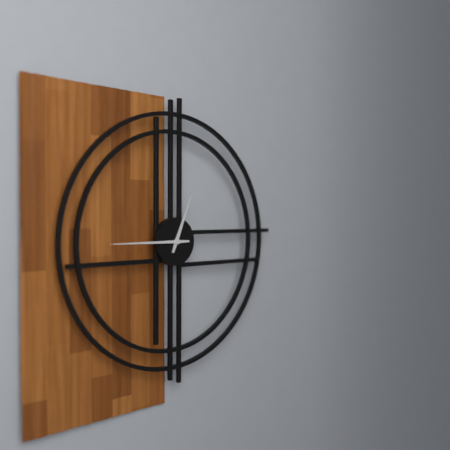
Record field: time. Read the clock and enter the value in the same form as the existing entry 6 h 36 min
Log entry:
12 h 45 min
